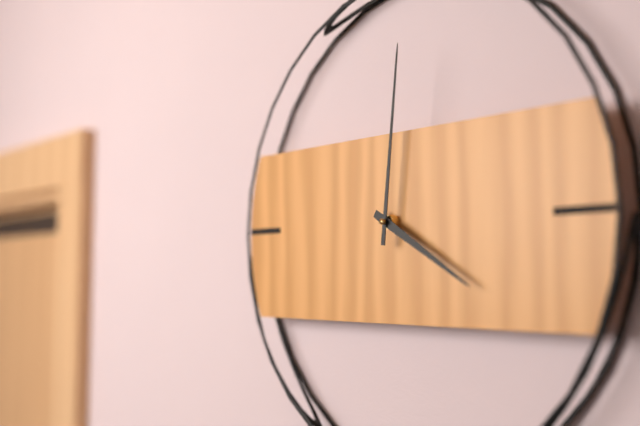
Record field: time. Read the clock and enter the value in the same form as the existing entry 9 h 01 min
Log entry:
4 h 01 min
